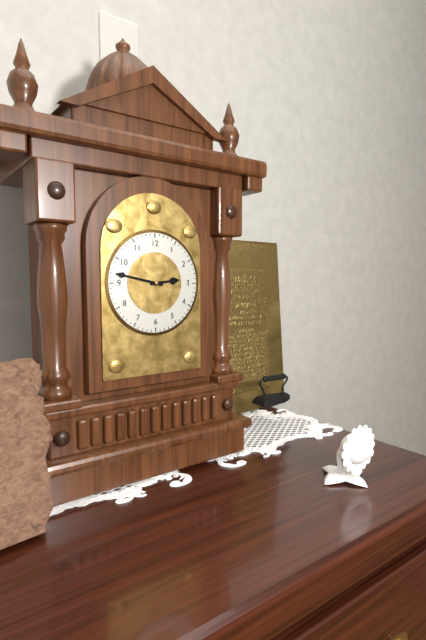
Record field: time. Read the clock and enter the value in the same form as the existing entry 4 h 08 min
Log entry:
2 h 47 min
